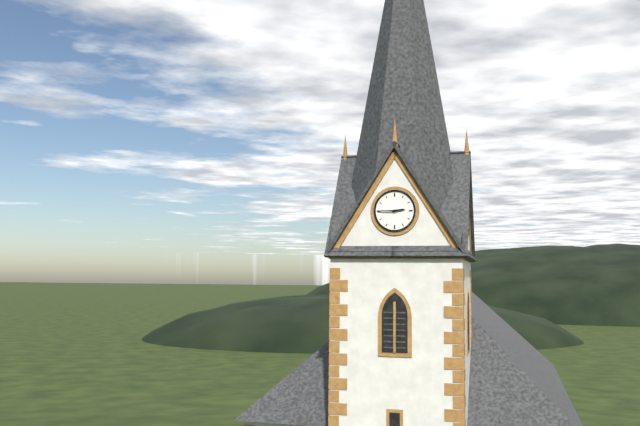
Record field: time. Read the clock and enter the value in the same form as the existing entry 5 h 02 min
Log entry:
2 h 45 min
